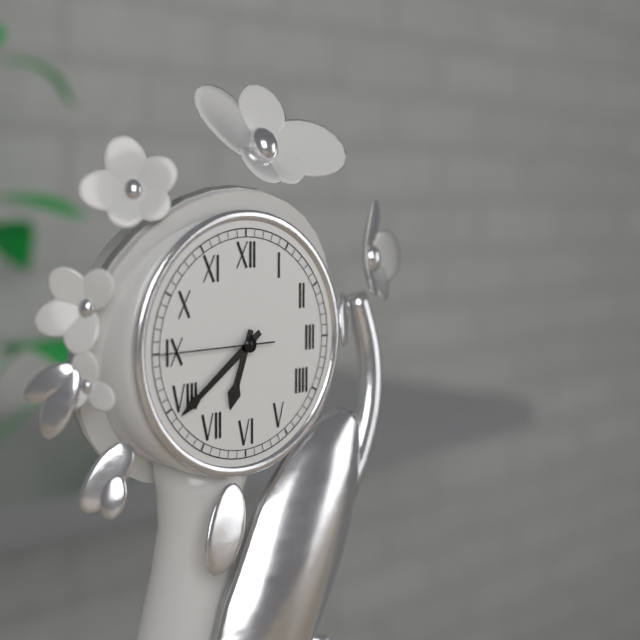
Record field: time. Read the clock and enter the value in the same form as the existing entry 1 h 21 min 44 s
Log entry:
6 h 39 min 45 s
